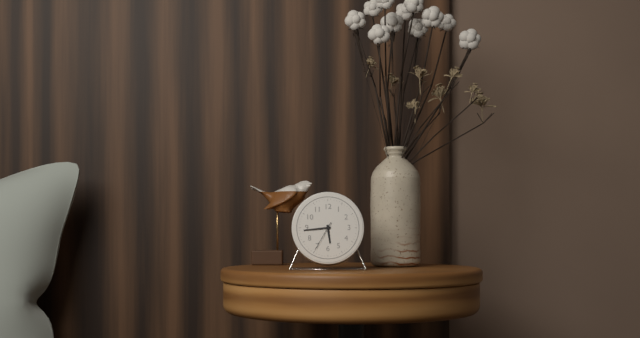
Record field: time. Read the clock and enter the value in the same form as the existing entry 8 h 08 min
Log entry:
5 h 44 min
